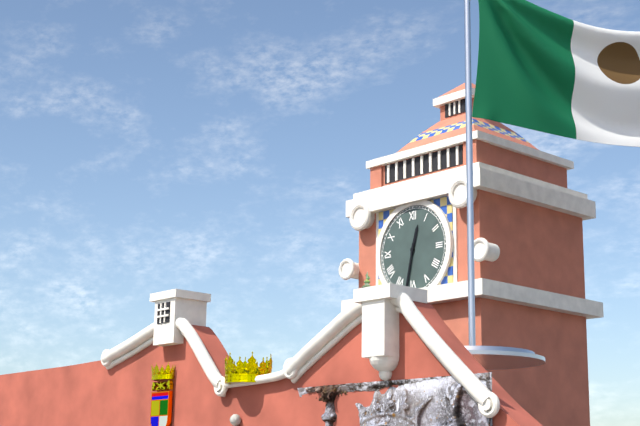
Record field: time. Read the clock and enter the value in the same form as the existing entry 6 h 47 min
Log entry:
12 h 32 min
